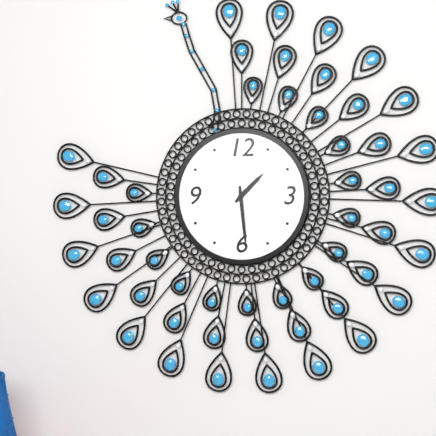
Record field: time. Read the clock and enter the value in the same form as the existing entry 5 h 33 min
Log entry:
1 h 29 min
